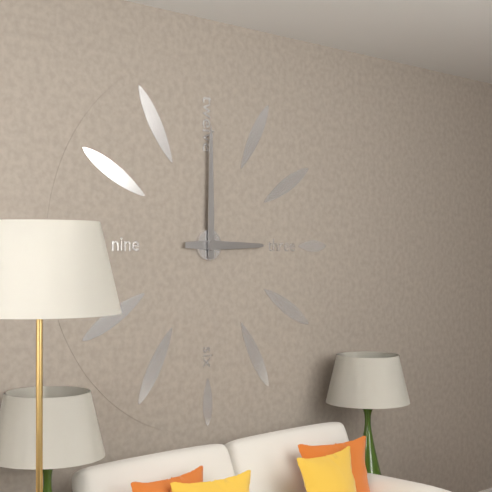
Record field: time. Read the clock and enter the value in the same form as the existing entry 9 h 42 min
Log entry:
3 h 00 min
